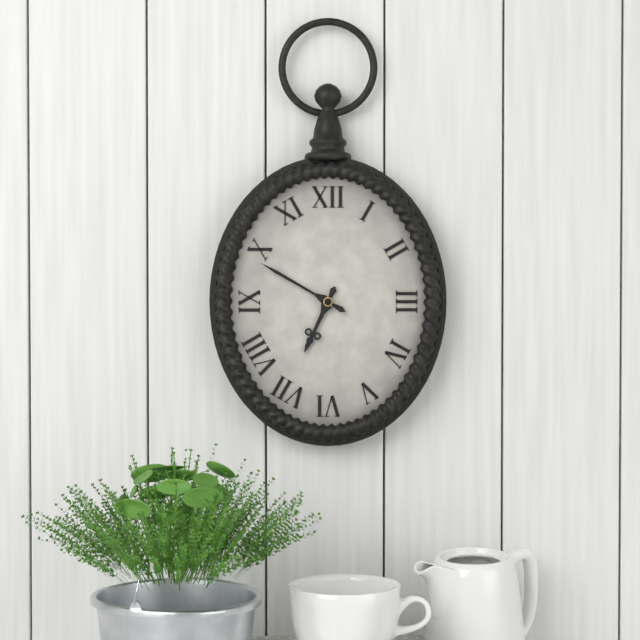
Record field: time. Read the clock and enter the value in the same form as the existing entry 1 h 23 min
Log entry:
6 h 50 min
